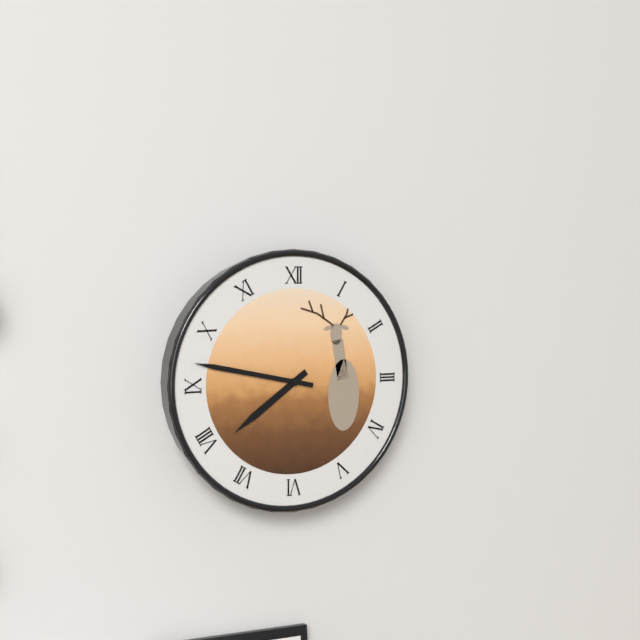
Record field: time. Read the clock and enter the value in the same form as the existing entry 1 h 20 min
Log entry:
7 h 47 min
